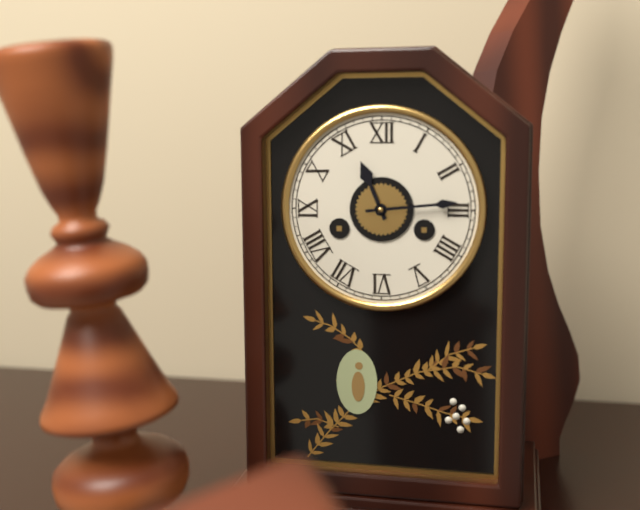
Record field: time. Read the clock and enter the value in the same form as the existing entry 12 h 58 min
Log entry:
11 h 14 min
